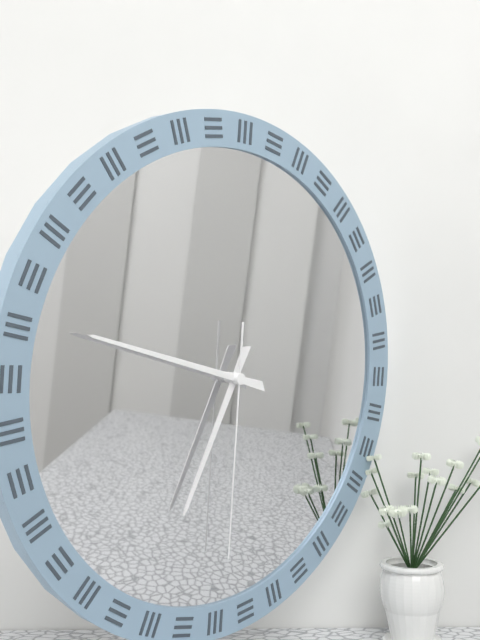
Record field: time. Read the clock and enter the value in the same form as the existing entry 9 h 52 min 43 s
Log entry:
6 h 47 min 30 s
